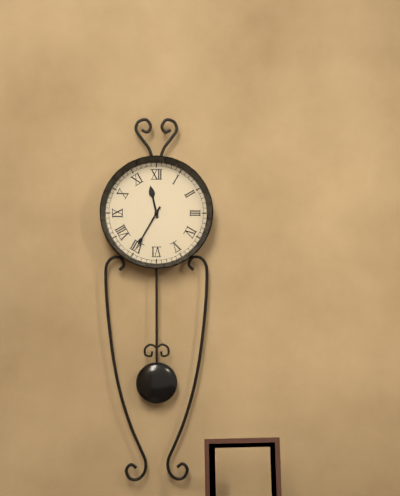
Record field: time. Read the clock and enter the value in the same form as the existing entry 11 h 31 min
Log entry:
11 h 35 min
